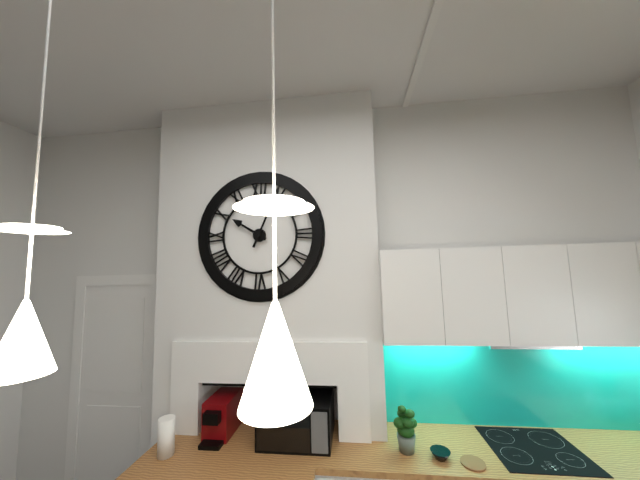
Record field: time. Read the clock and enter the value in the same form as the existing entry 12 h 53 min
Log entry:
10 h 04 min
